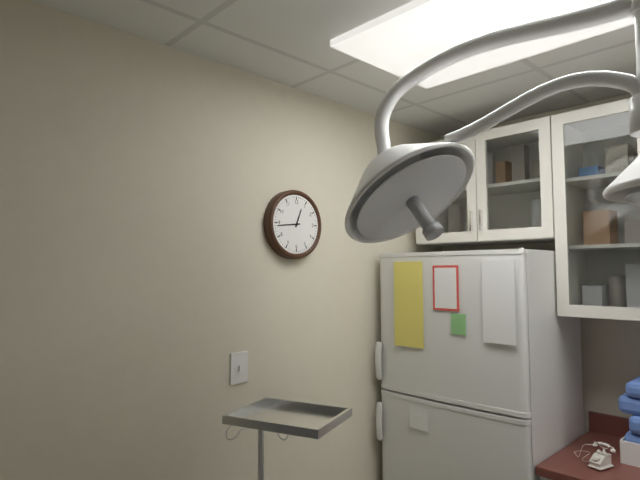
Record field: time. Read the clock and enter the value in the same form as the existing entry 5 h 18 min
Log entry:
12 h 44 min
